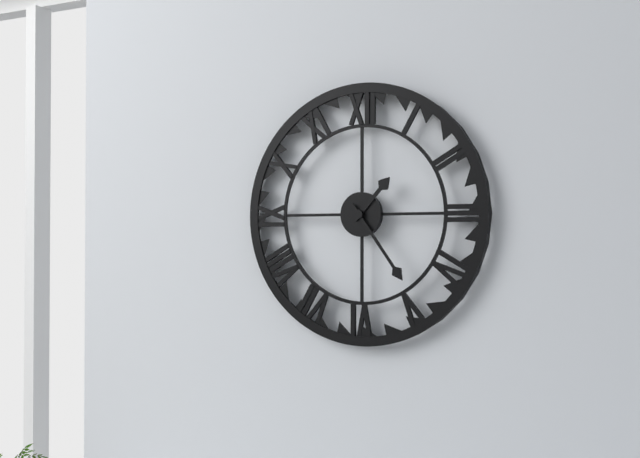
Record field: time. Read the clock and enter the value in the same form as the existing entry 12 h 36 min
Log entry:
1 h 24 min
